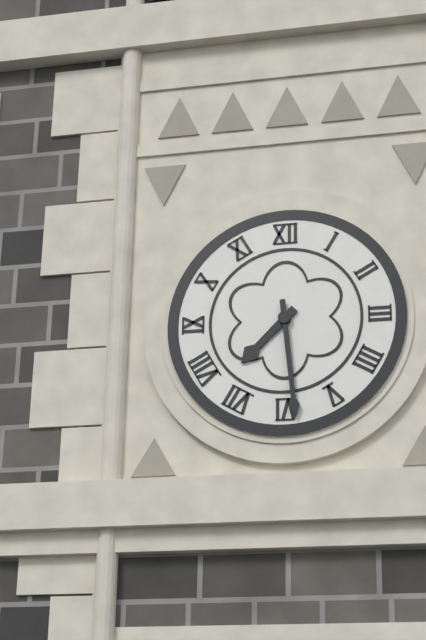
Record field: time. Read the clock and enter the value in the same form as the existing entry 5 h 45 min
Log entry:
7 h 29 min
